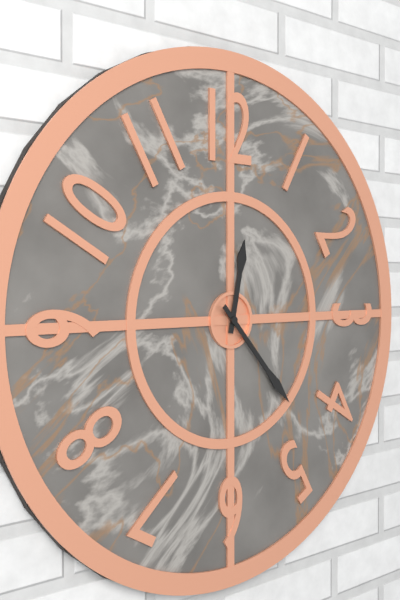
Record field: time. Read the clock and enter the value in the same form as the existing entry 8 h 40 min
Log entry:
12 h 23 min
